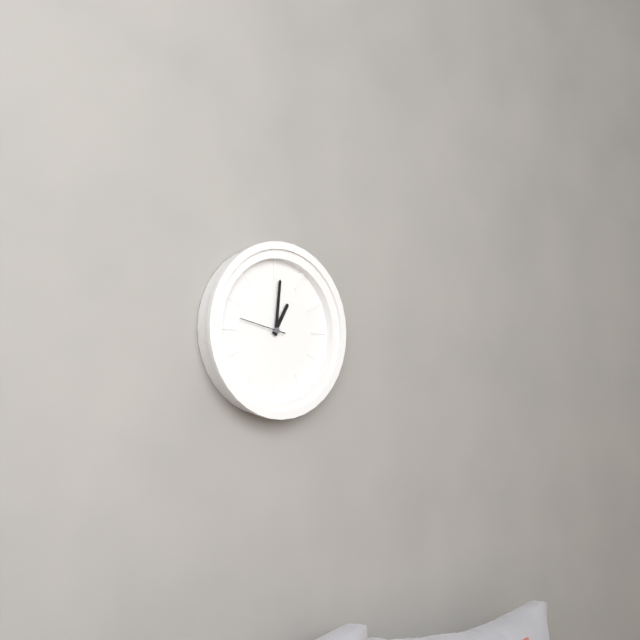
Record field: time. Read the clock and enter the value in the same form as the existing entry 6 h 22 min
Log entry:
1 h 01 min
